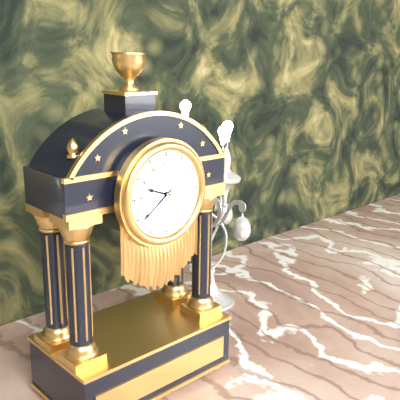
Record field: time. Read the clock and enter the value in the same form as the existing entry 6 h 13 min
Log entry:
9 h 39 min
